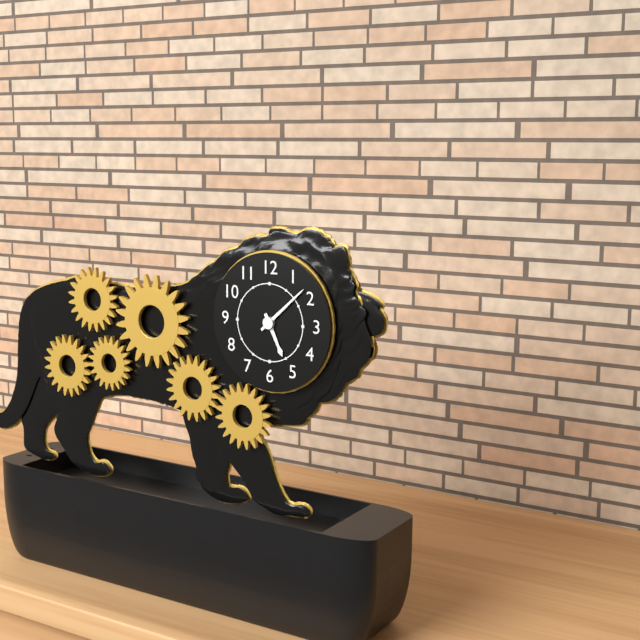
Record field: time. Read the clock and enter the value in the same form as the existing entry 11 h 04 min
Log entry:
5 h 08 min
